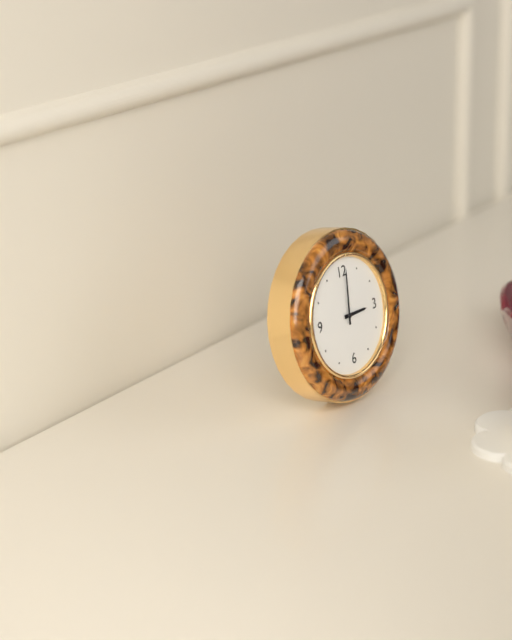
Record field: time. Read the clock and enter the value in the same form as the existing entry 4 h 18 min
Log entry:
3 h 01 min
